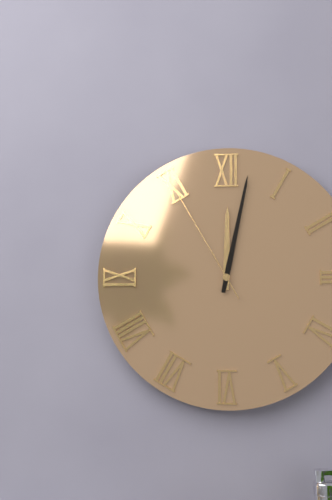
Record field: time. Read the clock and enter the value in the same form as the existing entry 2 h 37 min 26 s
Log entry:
12 h 02 min 55 s
